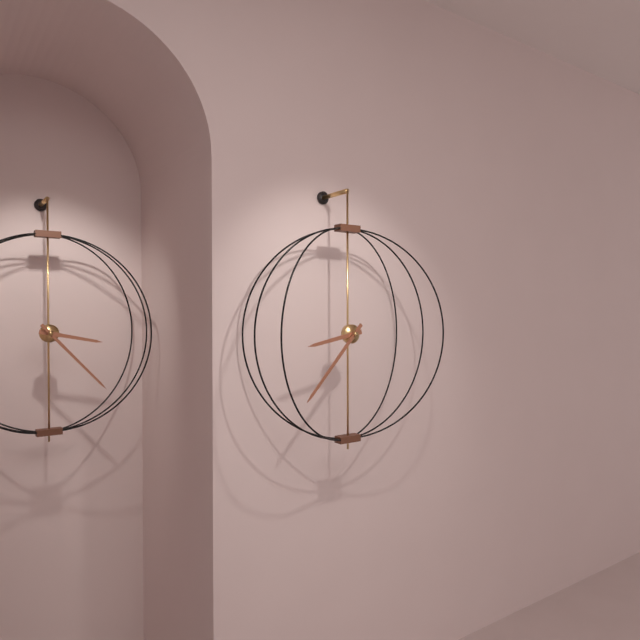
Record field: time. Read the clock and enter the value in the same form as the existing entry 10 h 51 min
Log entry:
8 h 37 min
